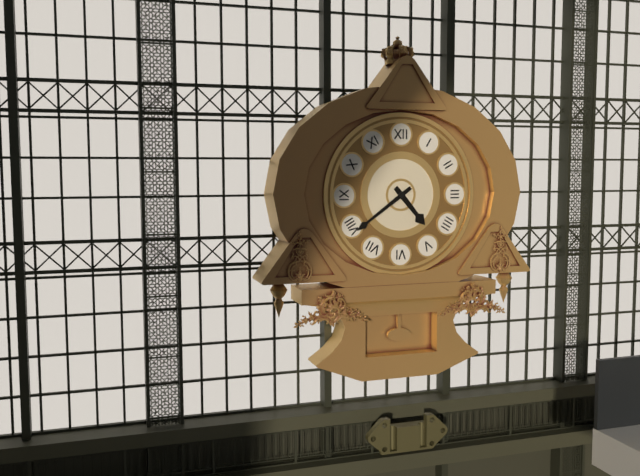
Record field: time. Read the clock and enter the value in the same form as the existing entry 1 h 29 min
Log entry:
4 h 39 min
